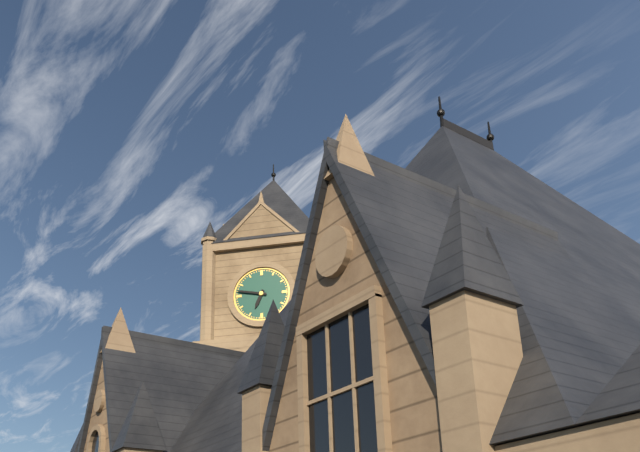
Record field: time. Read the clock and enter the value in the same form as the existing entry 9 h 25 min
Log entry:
6 h 47 min
